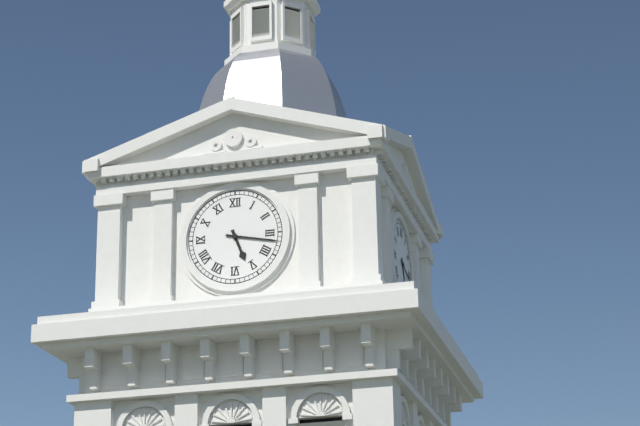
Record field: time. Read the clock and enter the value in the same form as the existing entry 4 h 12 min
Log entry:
5 h 17 min
